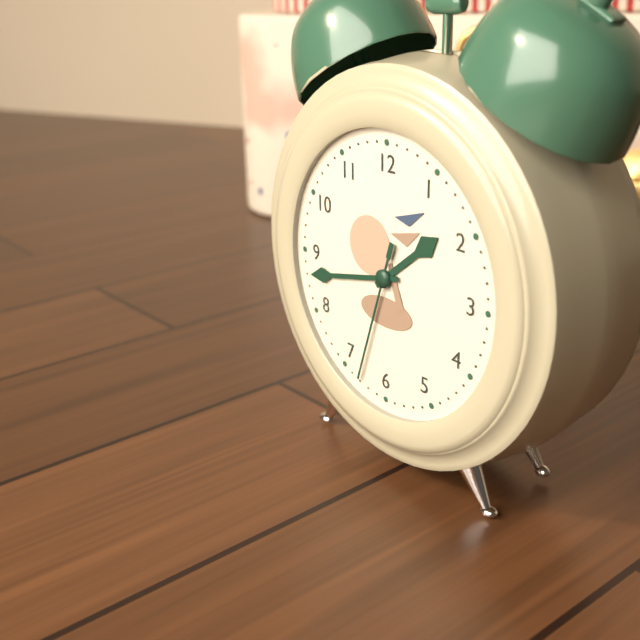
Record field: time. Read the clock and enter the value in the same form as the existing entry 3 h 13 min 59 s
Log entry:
1 h 43 min 33 s
